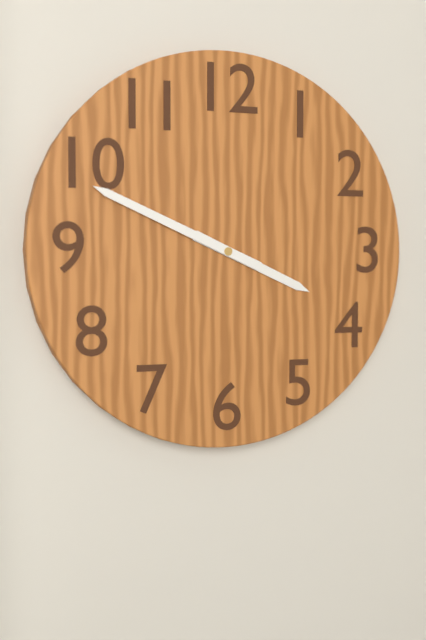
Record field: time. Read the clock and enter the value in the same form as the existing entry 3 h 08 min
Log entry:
3 h 49 min
